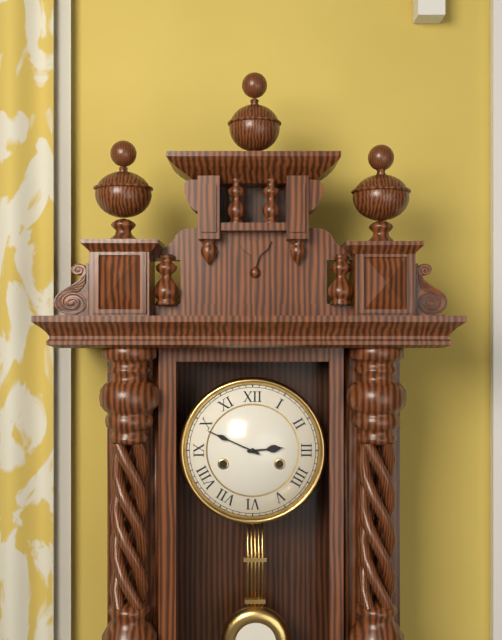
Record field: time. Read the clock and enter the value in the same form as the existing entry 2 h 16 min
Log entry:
2 h 49 min
